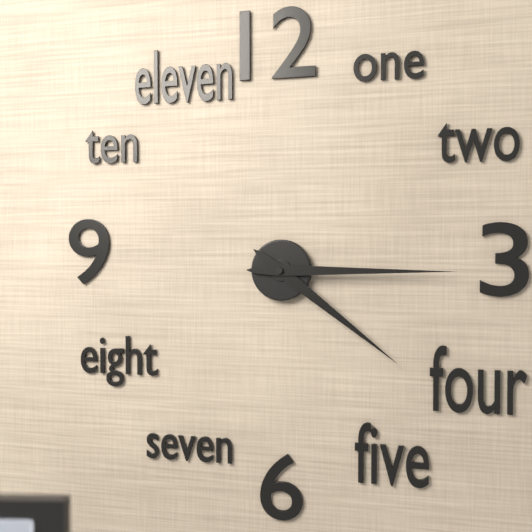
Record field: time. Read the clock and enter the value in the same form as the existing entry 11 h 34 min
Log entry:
4 h 15 min
